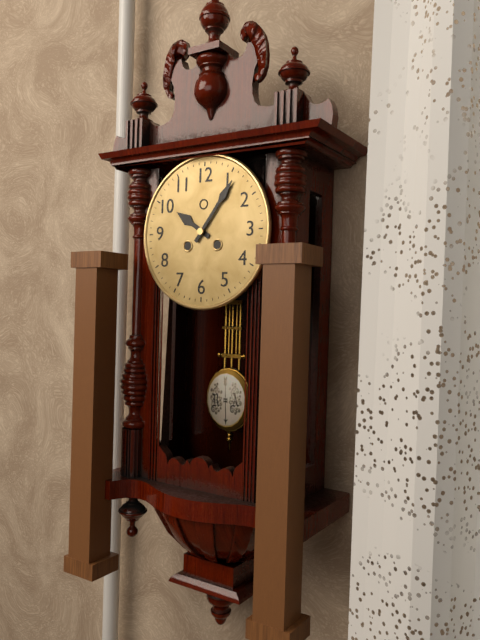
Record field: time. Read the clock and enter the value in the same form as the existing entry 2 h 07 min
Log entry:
10 h 06 min
